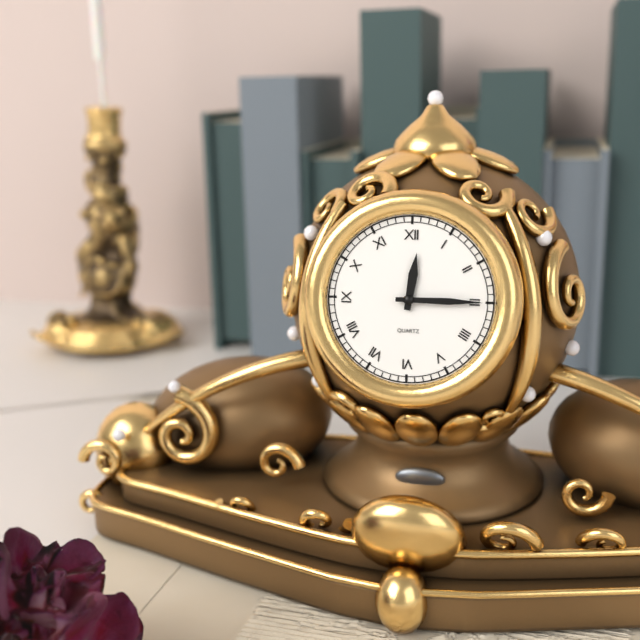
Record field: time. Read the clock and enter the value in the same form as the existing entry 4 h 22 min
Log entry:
12 h 15 min
